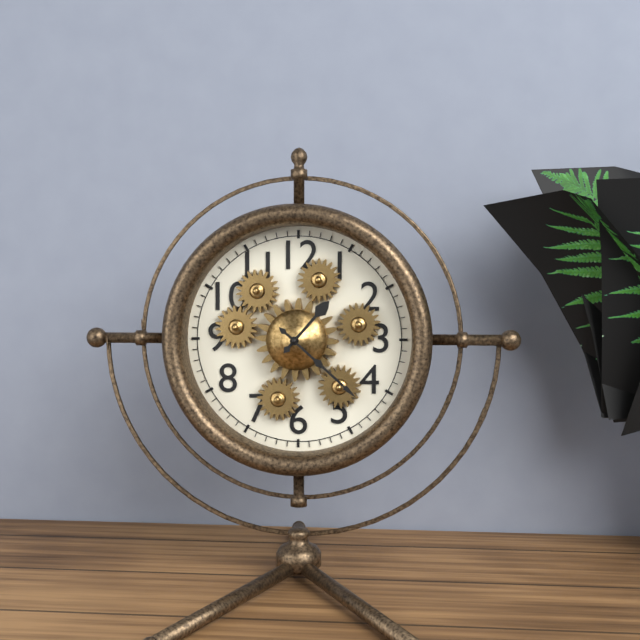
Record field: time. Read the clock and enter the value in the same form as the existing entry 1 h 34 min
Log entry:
1 h 22 min
